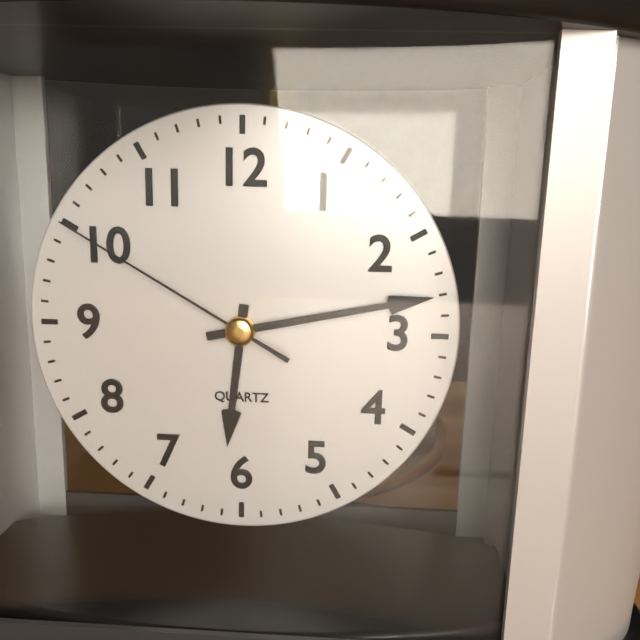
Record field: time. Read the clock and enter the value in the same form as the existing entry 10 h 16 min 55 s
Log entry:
6 h 13 min 50 s
